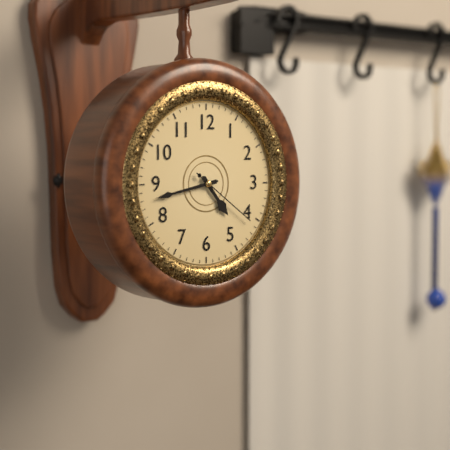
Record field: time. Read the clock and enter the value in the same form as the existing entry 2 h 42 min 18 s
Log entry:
4 h 43 min 21 s
